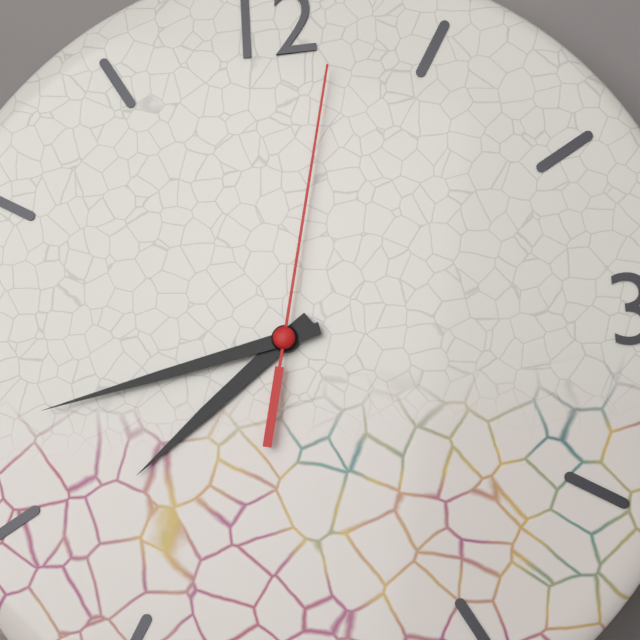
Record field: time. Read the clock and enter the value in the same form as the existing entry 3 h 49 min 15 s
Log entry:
7 h 43 min 02 s
